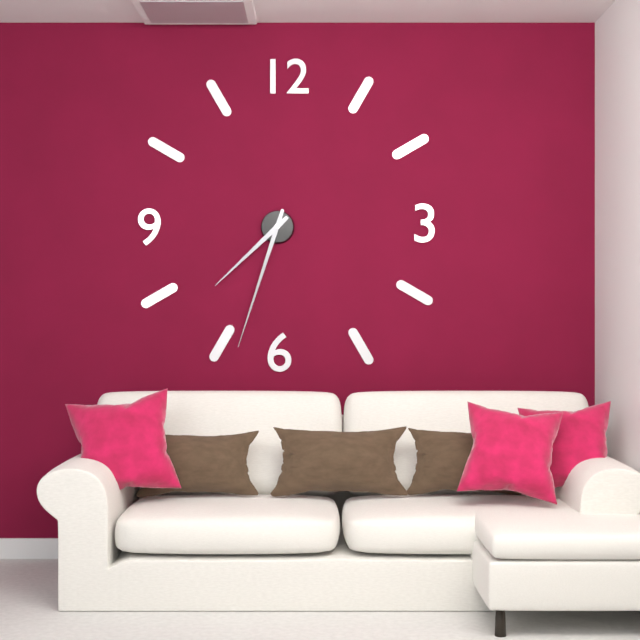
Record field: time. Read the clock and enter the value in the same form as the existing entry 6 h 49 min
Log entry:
7 h 33 min
